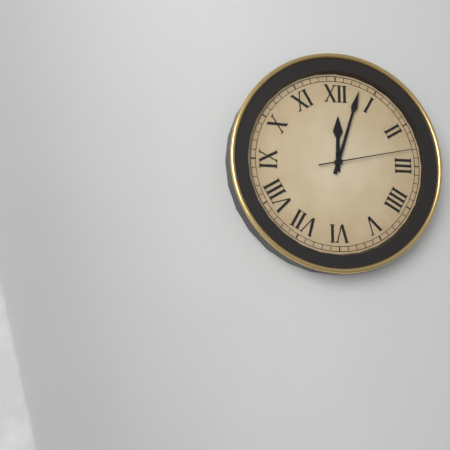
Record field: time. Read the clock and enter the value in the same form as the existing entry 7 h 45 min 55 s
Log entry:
12 h 03 min 13 s
